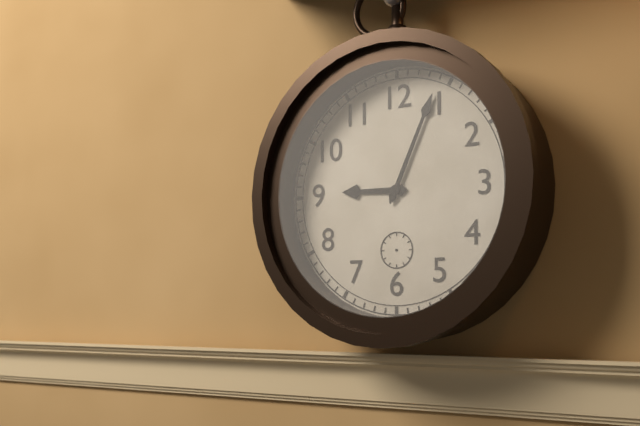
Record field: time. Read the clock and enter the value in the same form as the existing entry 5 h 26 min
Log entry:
9 h 04 min
